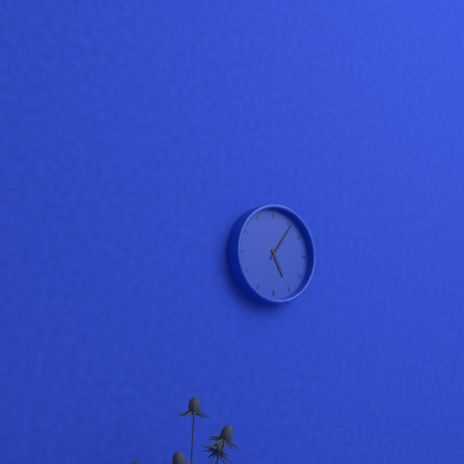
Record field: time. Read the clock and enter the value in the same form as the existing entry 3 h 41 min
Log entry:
5 h 06 min
